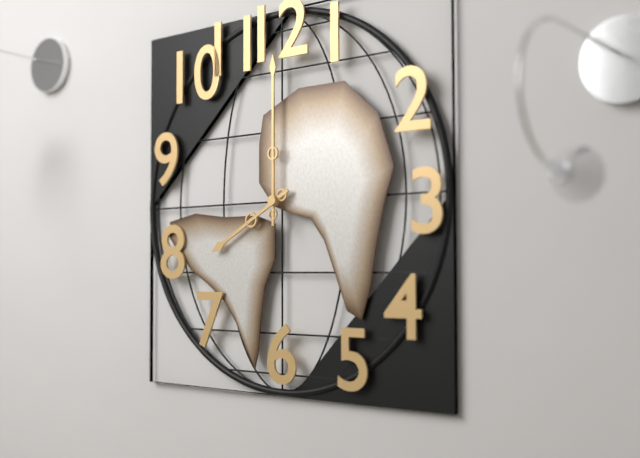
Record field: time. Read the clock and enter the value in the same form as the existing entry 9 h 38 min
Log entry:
8 h 00 min
